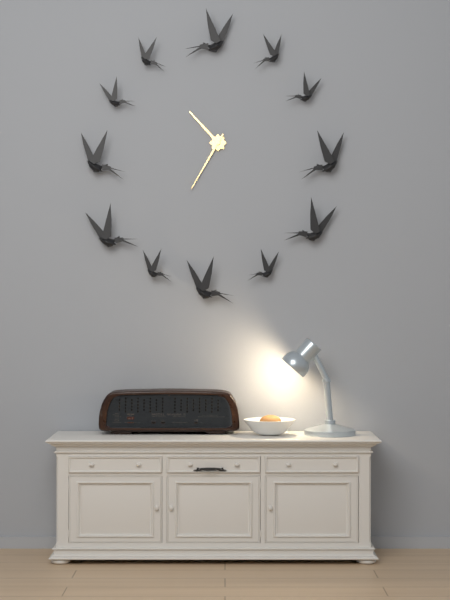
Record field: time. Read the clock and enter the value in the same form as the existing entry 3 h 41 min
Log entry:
10 h 35 min
